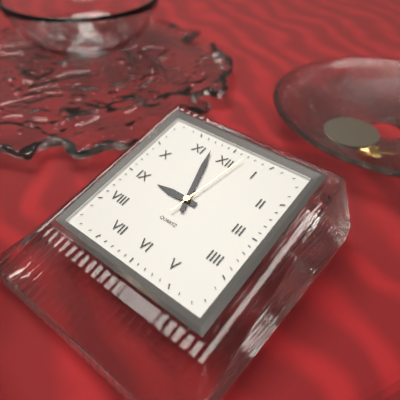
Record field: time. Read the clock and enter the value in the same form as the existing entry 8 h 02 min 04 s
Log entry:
8 h 57 min 02 s
